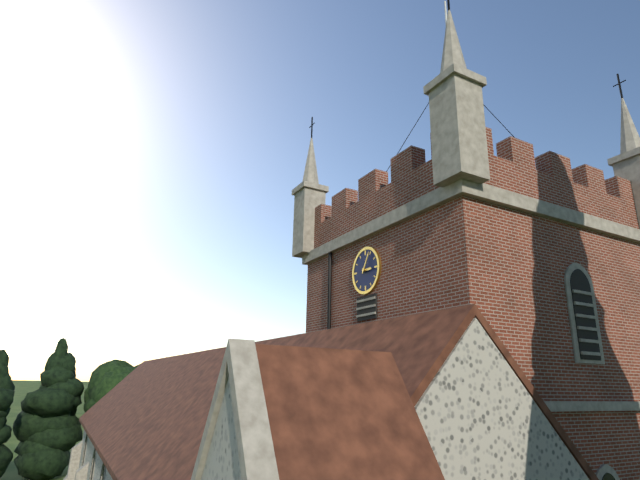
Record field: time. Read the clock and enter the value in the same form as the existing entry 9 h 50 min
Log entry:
3 h 05 min
